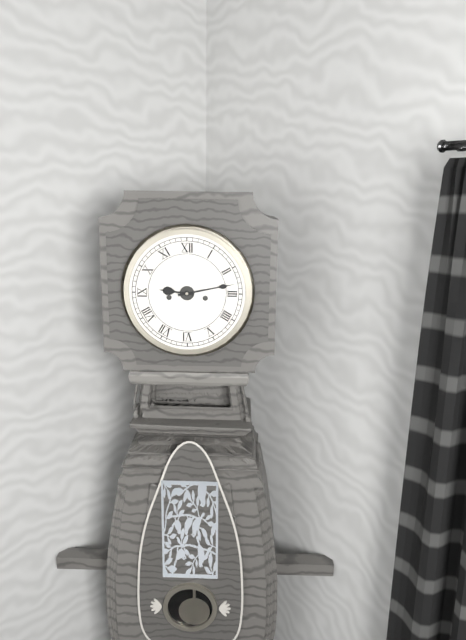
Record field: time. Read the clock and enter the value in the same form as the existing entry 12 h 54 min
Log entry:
9 h 13 min
